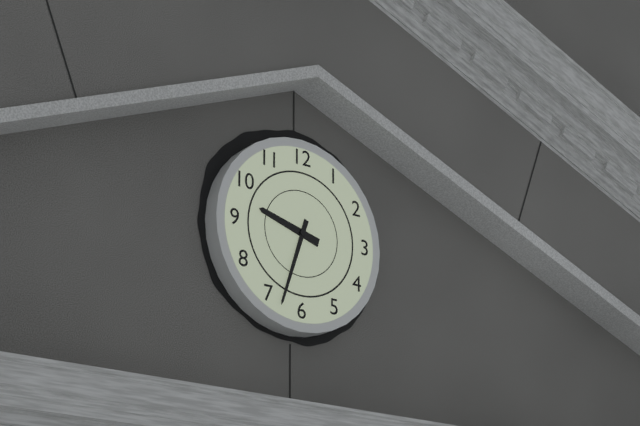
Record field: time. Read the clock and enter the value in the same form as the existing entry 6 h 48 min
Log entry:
9 h 33 min
